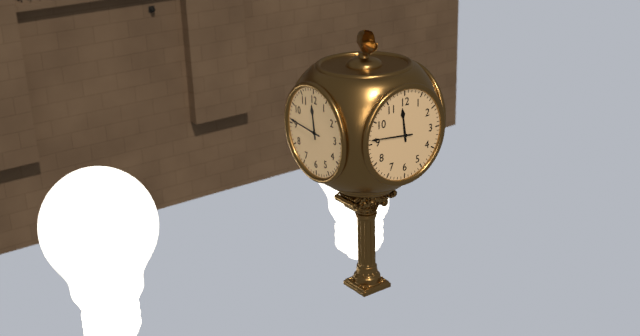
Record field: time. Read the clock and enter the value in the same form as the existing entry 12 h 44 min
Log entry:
11 h 46 min
